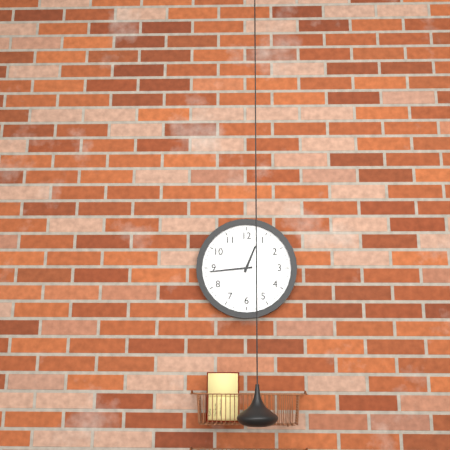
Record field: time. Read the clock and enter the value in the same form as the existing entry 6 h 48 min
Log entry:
12 h 44 min
